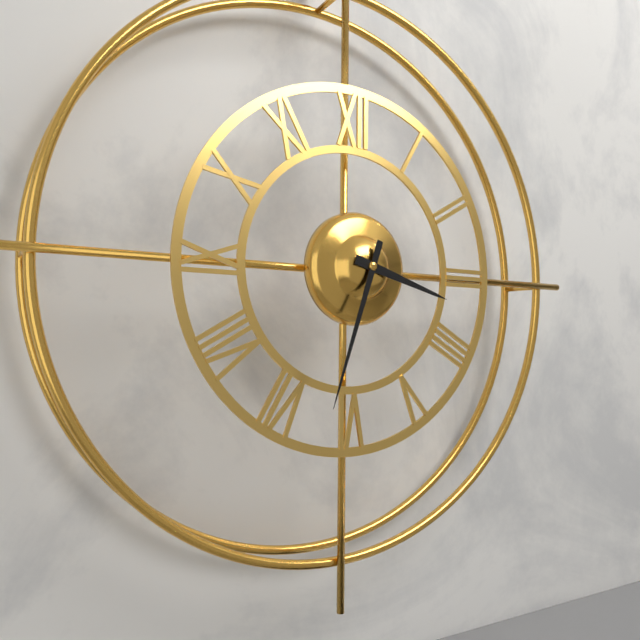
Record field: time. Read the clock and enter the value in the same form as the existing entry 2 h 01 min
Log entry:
3 h 33 min
